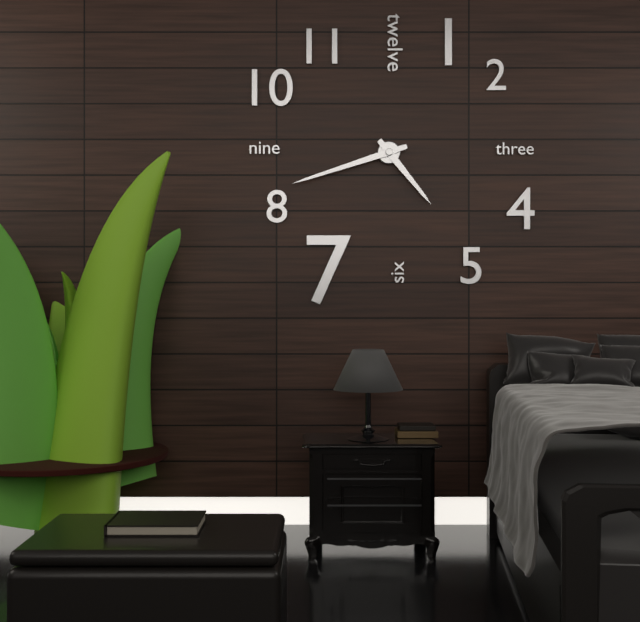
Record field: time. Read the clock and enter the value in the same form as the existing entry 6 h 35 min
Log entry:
4 h 42 min
